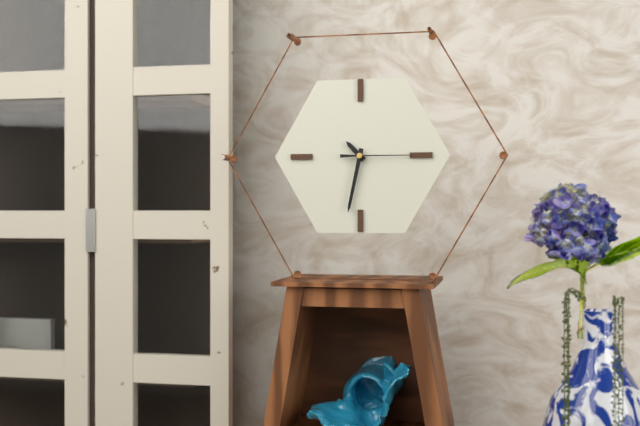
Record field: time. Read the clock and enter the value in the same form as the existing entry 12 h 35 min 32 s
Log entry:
10 h 32 min 15 s
